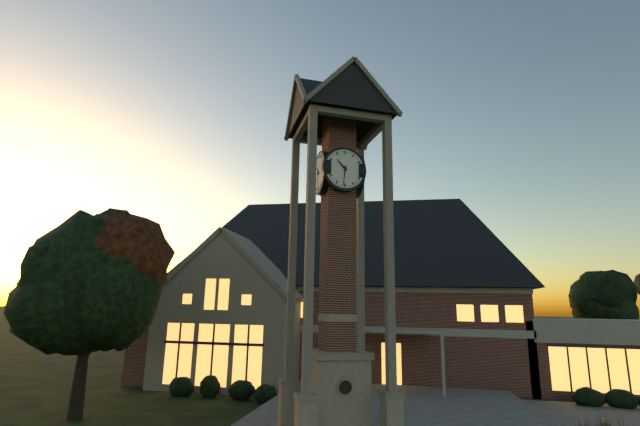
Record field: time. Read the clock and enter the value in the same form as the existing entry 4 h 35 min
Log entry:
10 h 31 min
